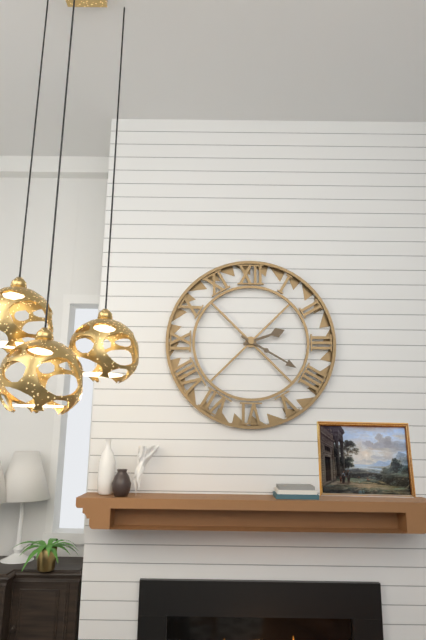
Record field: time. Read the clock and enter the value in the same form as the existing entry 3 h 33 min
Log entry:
2 h 20 min
